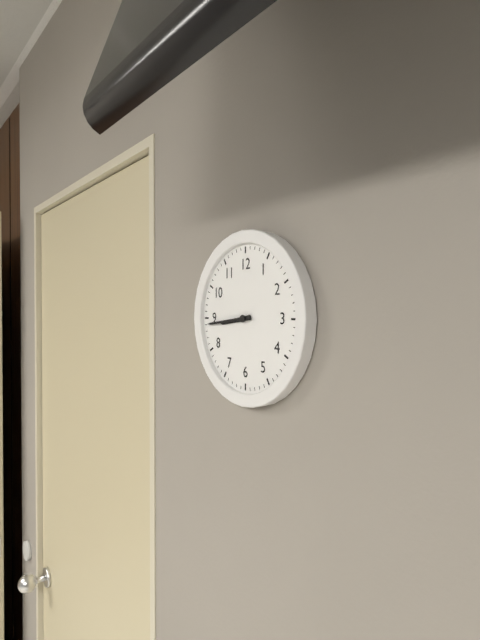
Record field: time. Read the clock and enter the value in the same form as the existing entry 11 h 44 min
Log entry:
8 h 44 min
